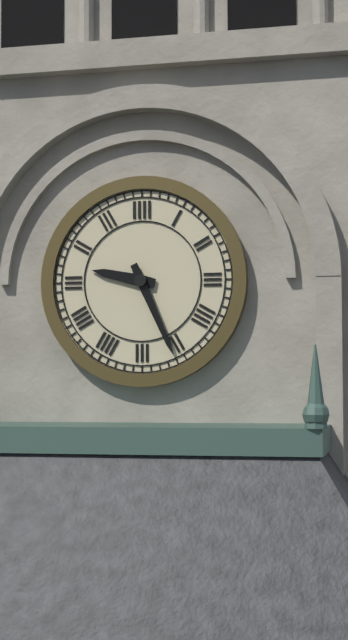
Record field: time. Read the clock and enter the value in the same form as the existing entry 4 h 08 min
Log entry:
9 h 26 min
